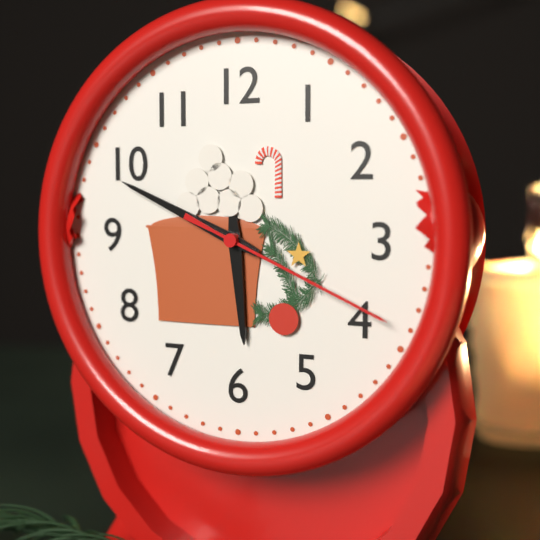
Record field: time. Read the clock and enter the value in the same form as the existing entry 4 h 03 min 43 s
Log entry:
5 h 49 min 19 s
